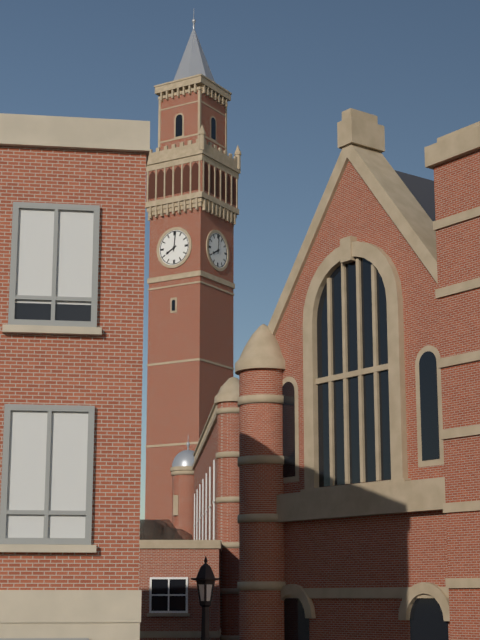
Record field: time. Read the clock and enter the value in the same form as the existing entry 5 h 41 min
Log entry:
8 h 01 min
